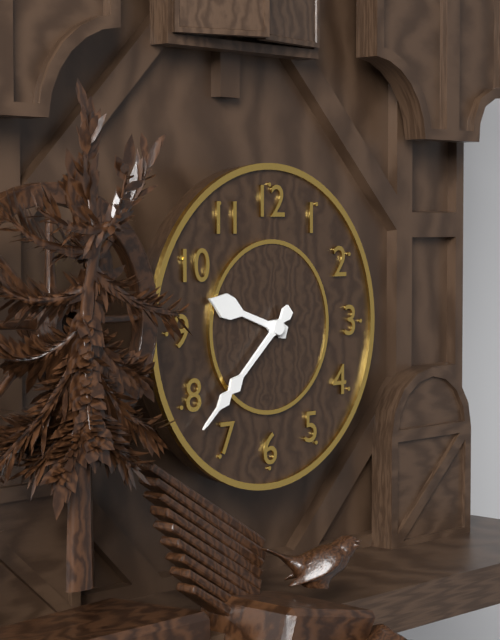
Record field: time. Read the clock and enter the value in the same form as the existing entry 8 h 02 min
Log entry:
9 h 38 min
